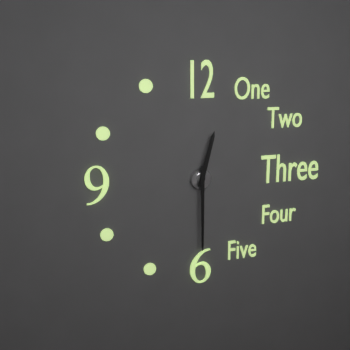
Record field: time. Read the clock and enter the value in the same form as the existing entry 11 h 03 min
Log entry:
12 h 30 min
